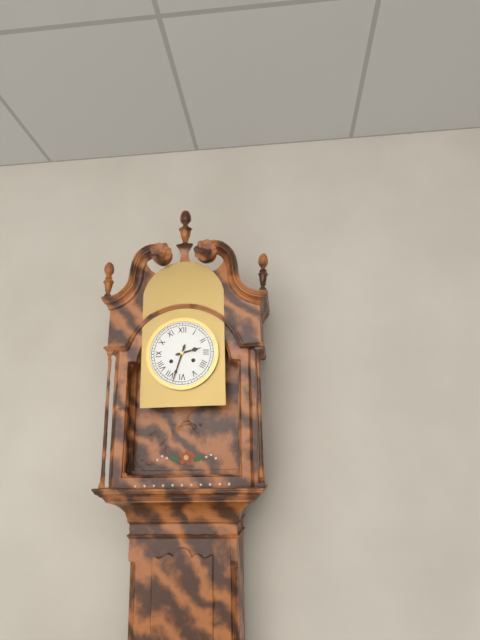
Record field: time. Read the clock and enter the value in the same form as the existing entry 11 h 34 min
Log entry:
2 h 33 min
